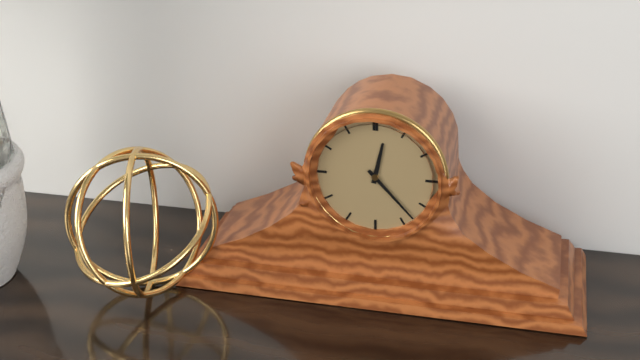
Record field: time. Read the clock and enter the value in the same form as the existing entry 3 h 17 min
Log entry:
12 h 23 min
